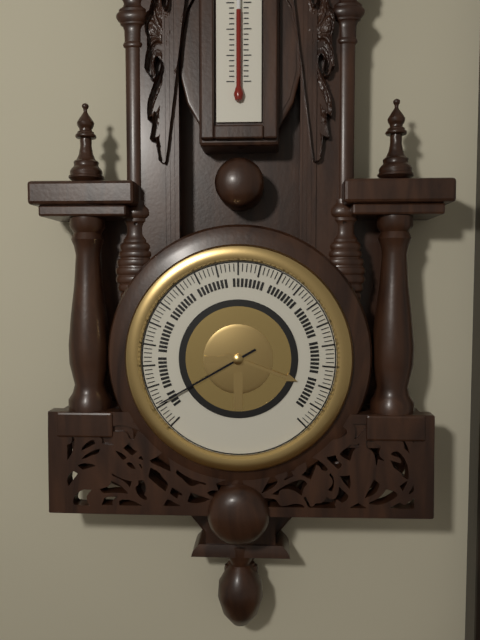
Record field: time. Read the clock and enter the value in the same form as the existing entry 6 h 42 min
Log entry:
3 h 40 min
